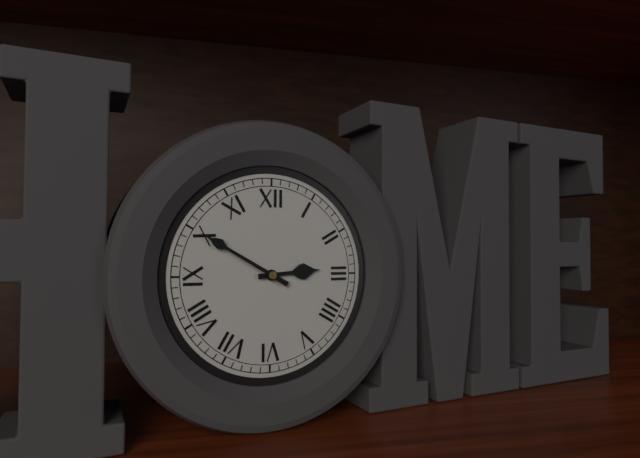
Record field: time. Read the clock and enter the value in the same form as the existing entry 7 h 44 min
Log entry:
2 h 50 min
